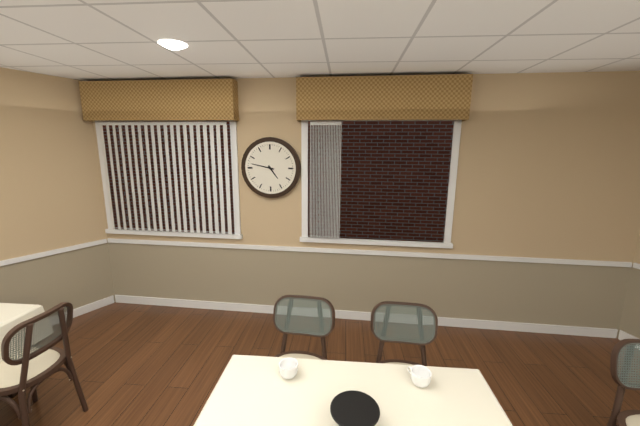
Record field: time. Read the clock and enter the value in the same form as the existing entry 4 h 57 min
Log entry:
4 h 47 min
